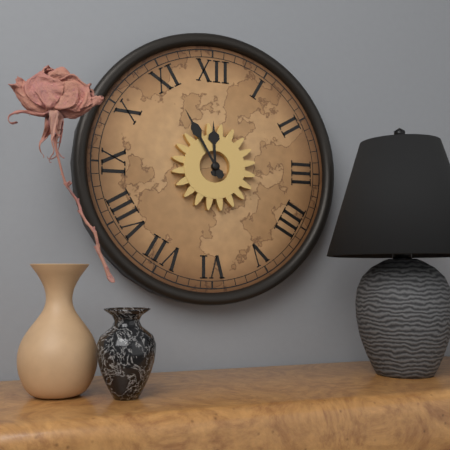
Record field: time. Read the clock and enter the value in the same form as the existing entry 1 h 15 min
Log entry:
11 h 55 min
